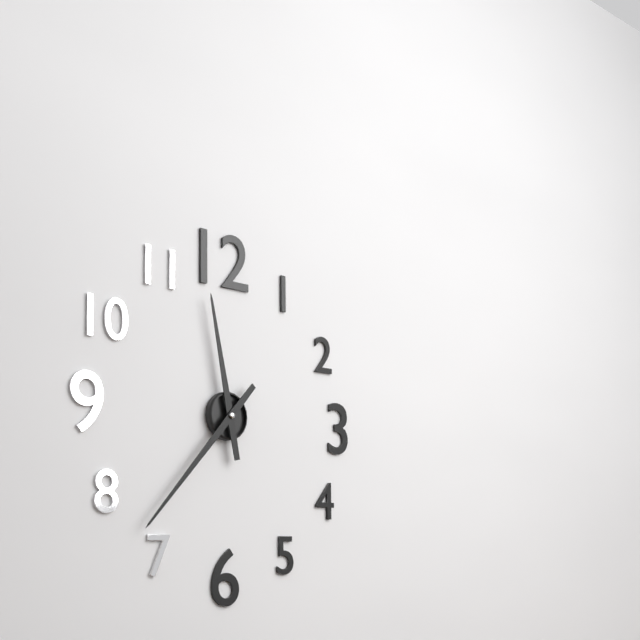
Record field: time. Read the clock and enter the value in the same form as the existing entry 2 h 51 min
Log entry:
11 h 37 min
